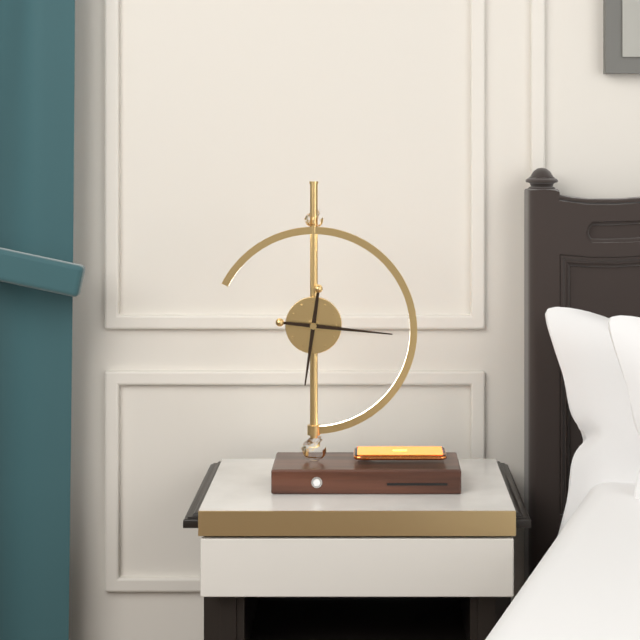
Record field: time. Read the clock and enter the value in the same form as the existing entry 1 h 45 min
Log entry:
6 h 16 min
